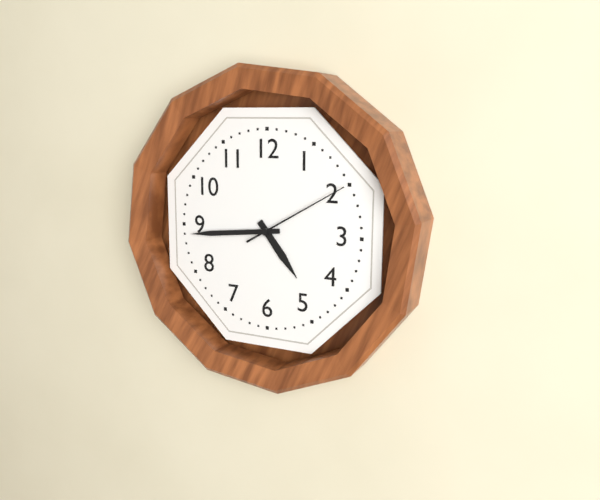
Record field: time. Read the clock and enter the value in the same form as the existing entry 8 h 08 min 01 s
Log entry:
4 h 44 min 10 s
